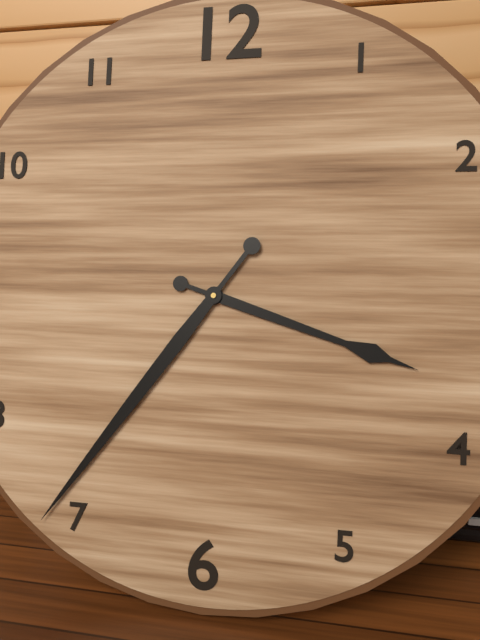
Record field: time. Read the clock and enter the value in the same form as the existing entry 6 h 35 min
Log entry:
3 h 36 min
